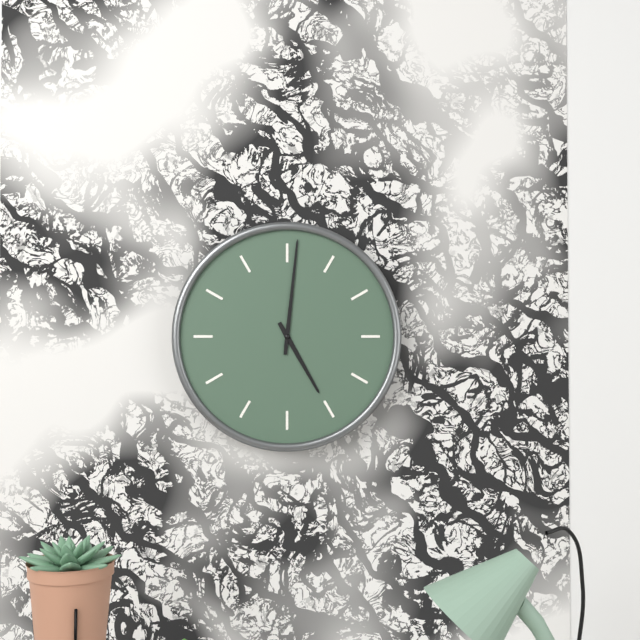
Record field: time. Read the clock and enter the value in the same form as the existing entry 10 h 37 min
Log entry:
5 h 01 min
